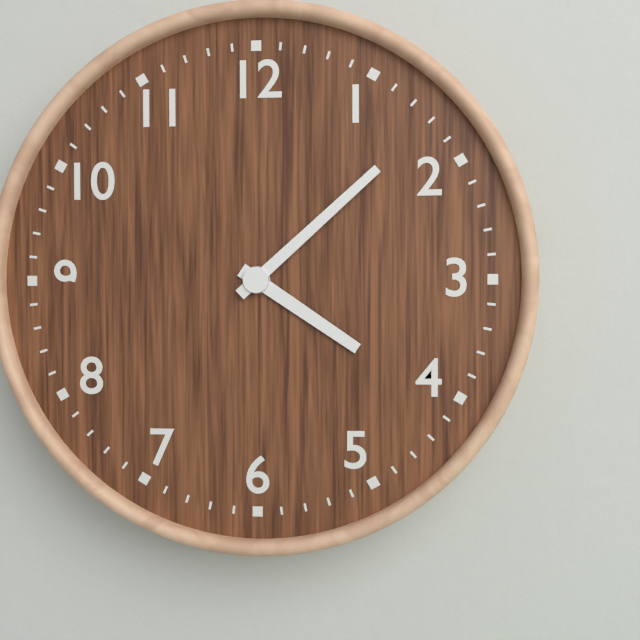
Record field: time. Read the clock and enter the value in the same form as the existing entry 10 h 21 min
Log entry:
4 h 08 min
